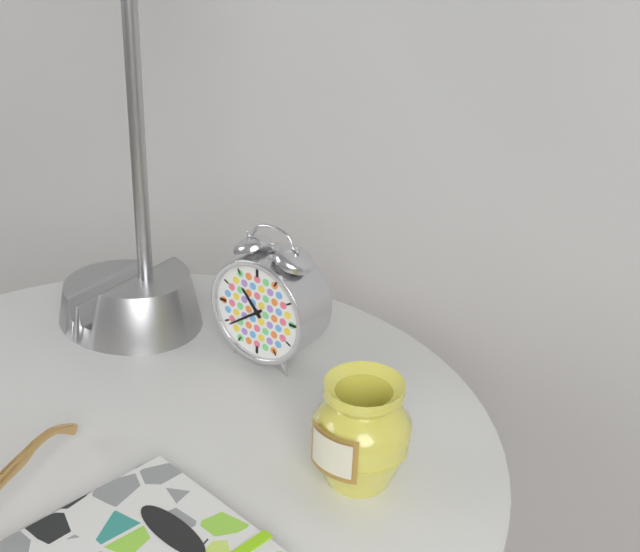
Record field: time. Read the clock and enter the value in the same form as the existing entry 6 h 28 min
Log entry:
10 h 39 min
